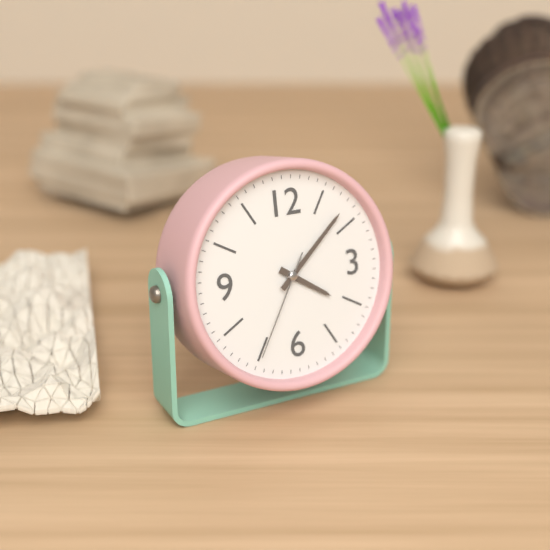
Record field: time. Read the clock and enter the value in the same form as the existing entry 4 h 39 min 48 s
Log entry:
4 h 08 min 35 s
